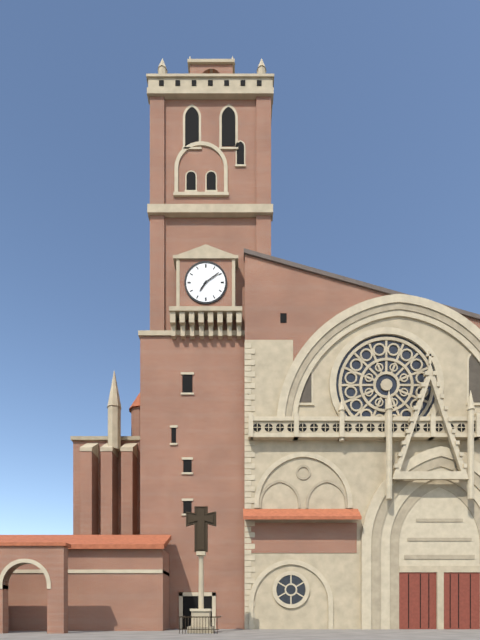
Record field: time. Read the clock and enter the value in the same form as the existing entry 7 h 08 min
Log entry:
7 h 09 min
